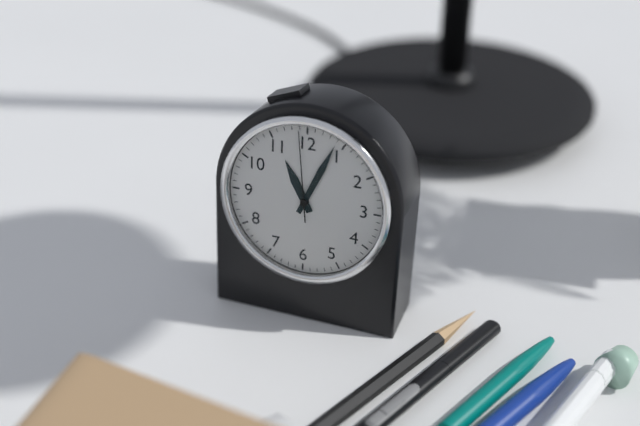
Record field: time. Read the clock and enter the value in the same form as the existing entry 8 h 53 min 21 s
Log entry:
11 h 04 min 59 s
